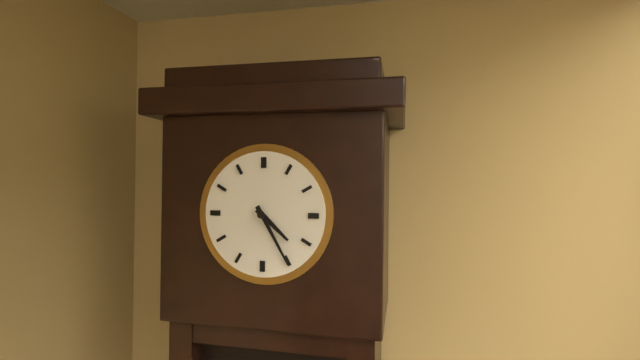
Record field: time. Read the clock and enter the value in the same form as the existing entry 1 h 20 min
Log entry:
4 h 25 min
